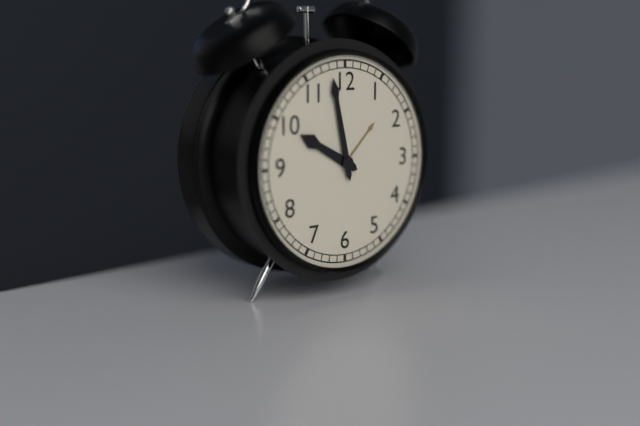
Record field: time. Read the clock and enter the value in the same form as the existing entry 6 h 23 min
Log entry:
9 h 58 min
